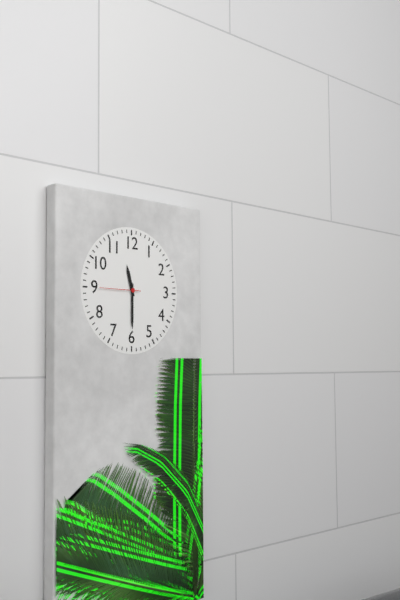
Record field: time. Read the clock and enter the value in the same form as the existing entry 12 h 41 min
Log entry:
11 h 30 min
